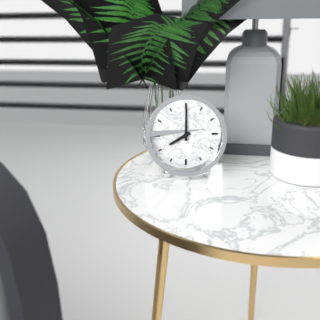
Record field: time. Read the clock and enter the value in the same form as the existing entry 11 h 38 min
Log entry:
8 h 00 min
